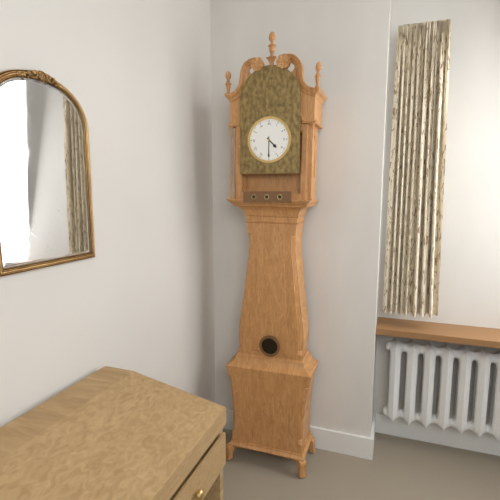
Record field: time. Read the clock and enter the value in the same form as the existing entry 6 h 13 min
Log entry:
4 h 30 min
